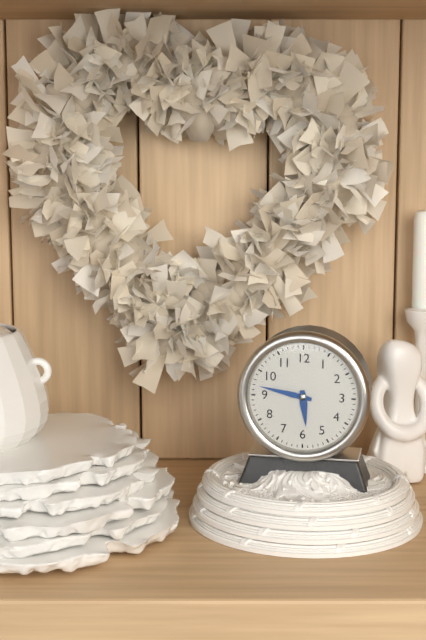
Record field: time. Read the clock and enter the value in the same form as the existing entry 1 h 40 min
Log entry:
5 h 47 min
